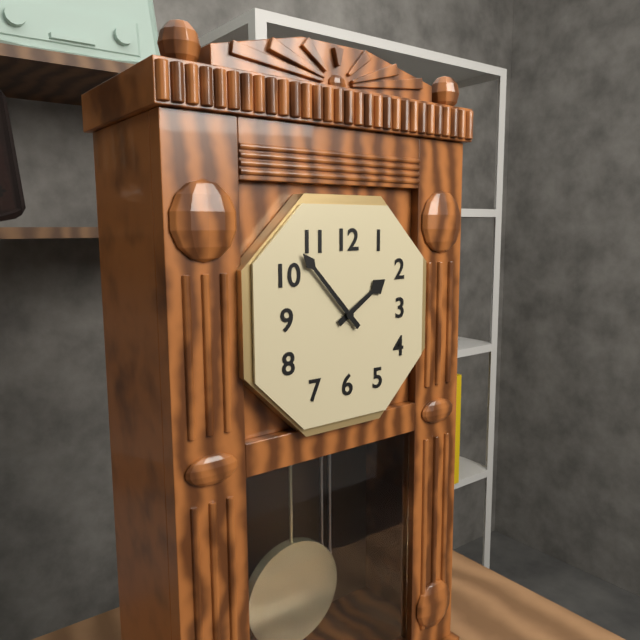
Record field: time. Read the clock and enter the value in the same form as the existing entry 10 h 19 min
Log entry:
1 h 53 min
